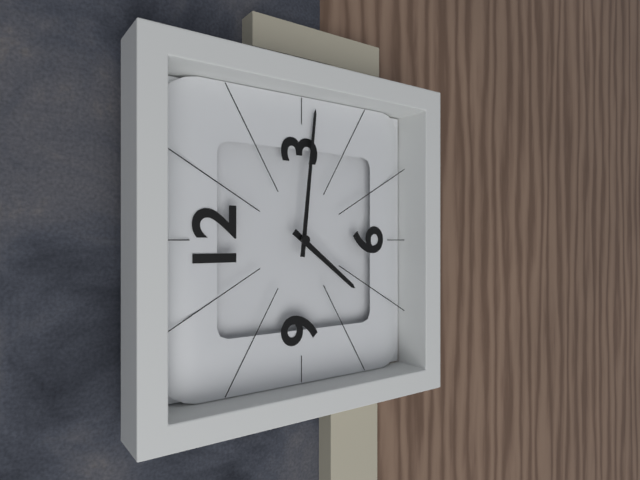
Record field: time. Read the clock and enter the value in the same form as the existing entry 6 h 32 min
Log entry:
7 h 16 min
